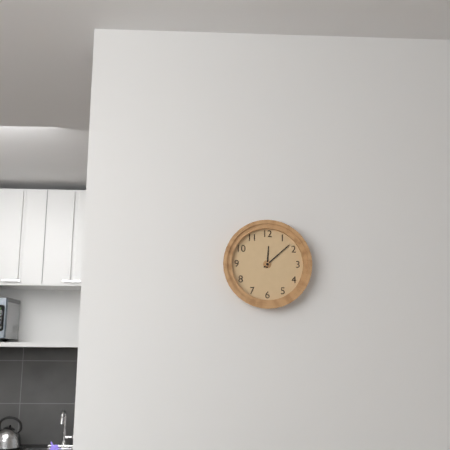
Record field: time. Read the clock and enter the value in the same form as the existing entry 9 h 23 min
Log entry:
12 h 08 min
